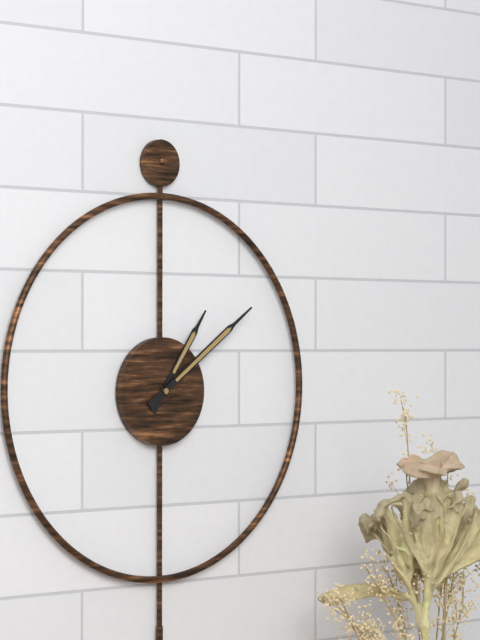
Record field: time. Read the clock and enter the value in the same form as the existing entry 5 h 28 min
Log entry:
1 h 09 min
